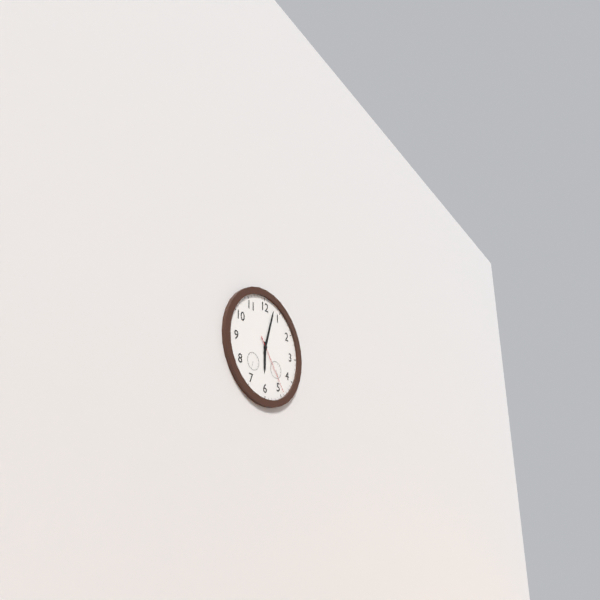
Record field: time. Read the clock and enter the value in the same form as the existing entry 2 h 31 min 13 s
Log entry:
6 h 03 min 24 s
